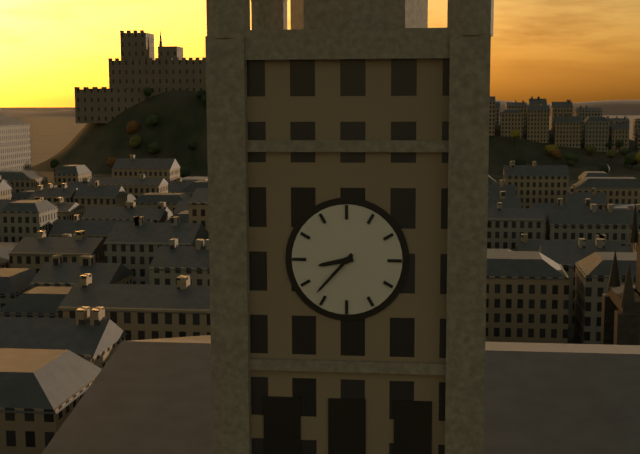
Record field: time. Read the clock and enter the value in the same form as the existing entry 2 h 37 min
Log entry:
8 h 37 min
